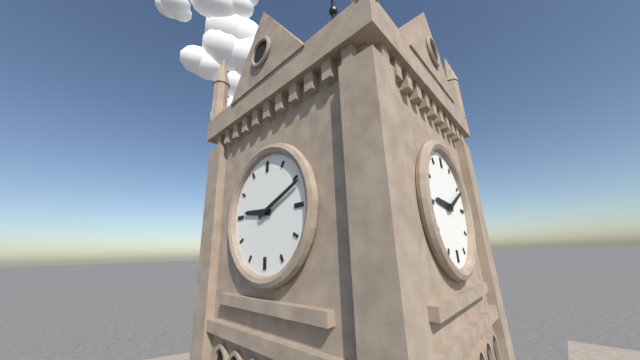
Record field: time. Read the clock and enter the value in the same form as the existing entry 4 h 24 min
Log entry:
9 h 11 min
